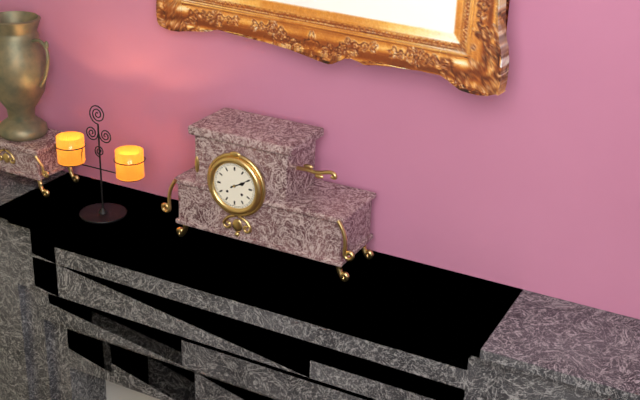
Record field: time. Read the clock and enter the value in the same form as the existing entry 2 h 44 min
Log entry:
2 h 10 min
